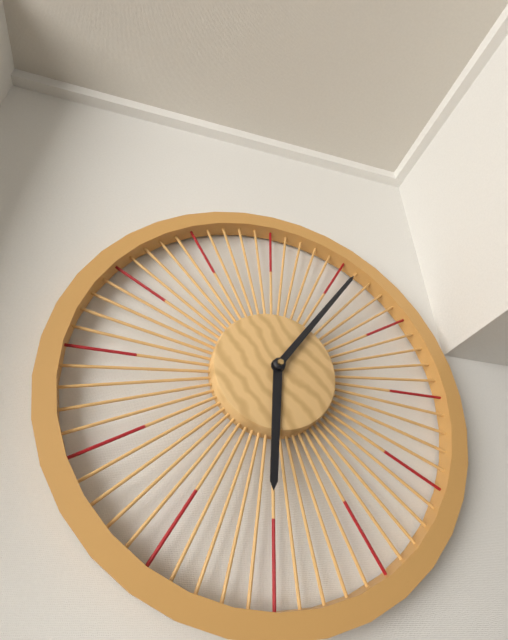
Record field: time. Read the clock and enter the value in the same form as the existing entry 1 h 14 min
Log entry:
6 h 06 min
